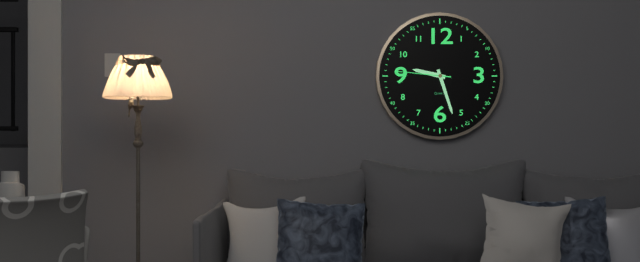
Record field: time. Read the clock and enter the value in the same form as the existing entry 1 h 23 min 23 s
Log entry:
9 h 27 min 46 s
